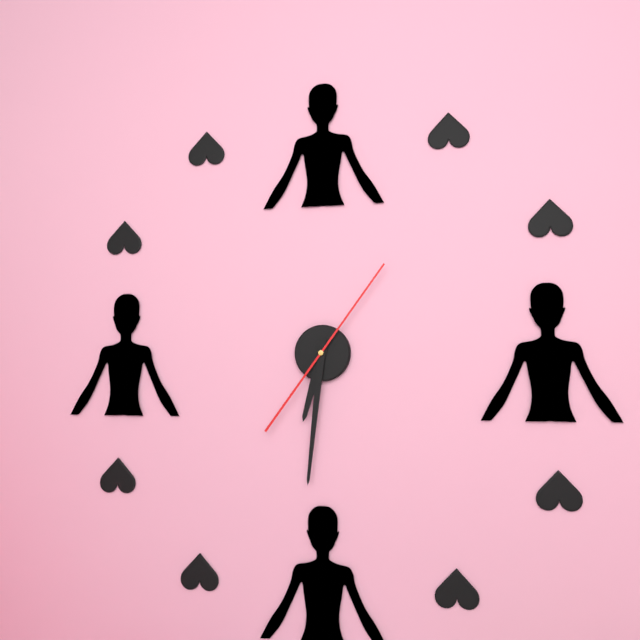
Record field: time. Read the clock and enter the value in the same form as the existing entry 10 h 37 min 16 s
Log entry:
6 h 31 min 06 s
